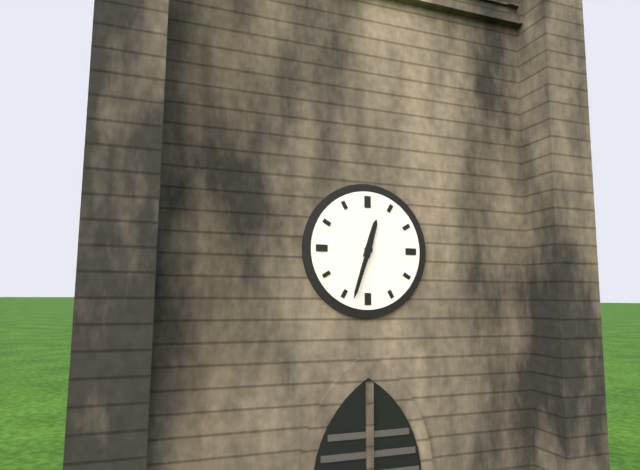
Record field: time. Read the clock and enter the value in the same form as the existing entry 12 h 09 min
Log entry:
12 h 33 min
